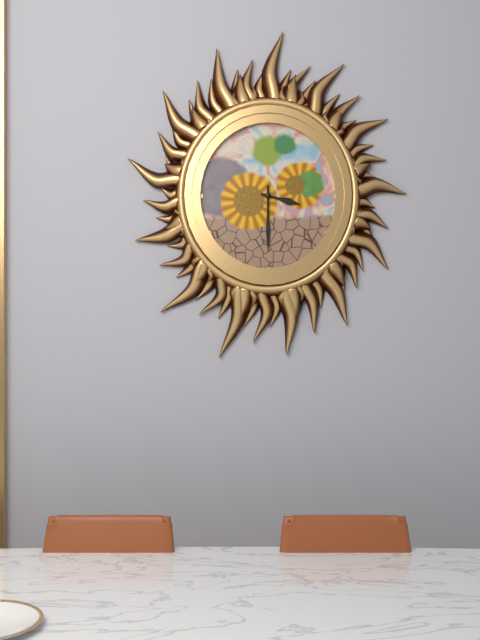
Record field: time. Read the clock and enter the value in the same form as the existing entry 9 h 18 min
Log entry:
3 h 30 min
